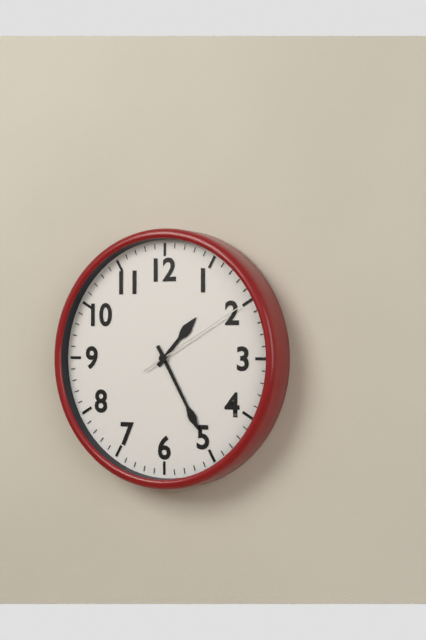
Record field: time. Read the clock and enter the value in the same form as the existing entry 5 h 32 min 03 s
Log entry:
1 h 25 min 10 s
